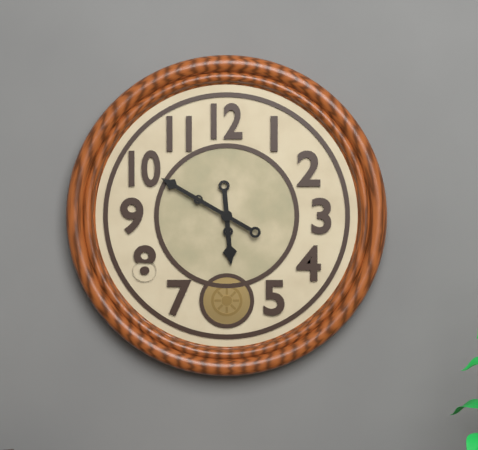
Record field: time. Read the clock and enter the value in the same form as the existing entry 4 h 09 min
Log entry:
5 h 50 min
